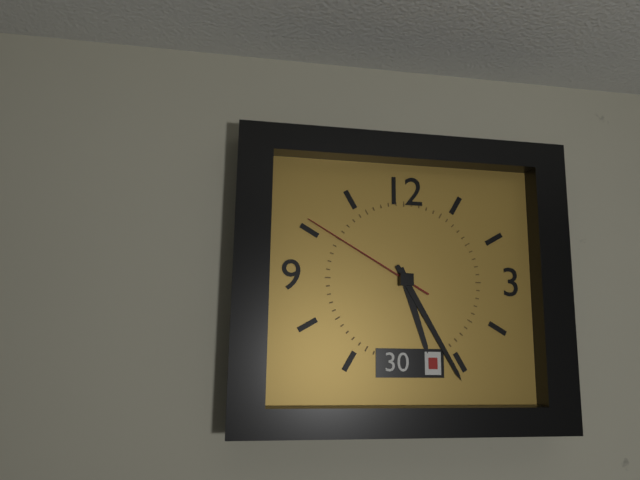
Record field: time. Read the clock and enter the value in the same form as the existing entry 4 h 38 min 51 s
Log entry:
5 h 25 min 50 s
